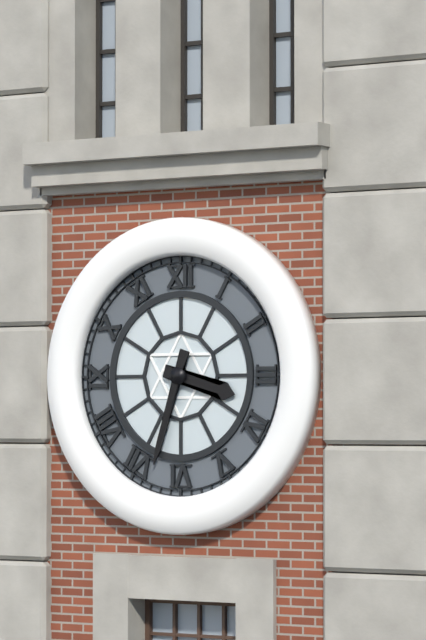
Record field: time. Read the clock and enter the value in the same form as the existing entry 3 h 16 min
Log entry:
3 h 33 min
